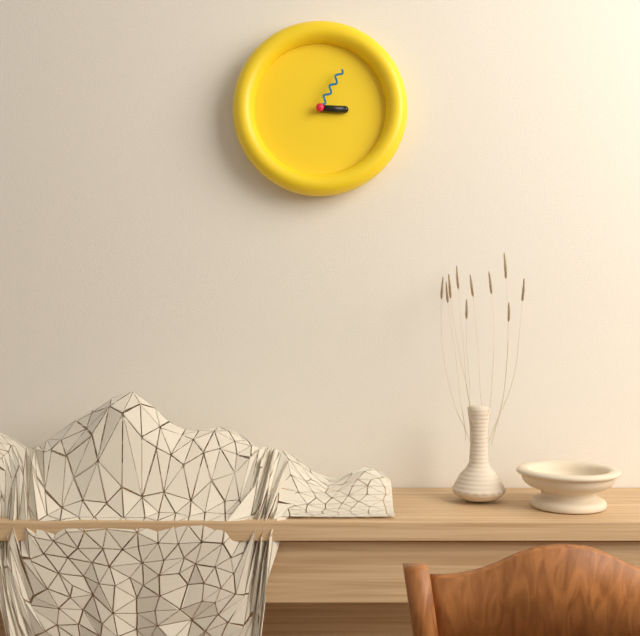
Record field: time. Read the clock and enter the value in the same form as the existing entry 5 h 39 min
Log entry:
3 h 05 min
